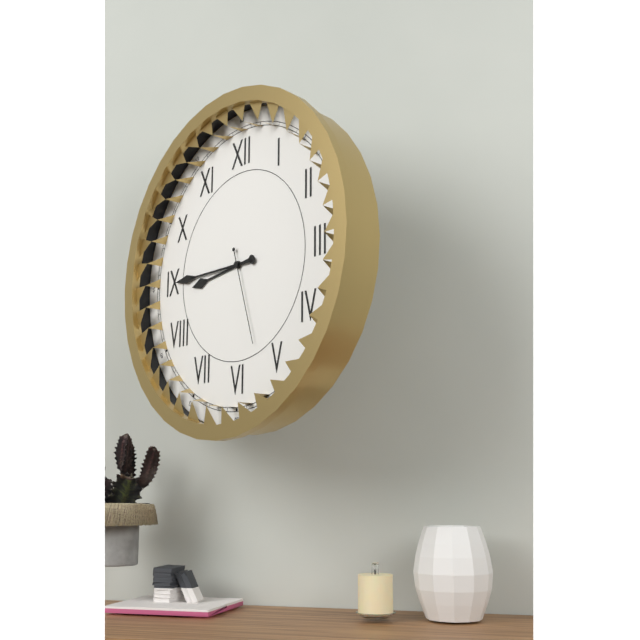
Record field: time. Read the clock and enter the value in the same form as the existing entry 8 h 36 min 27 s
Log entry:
8 h 45 min 27 s
